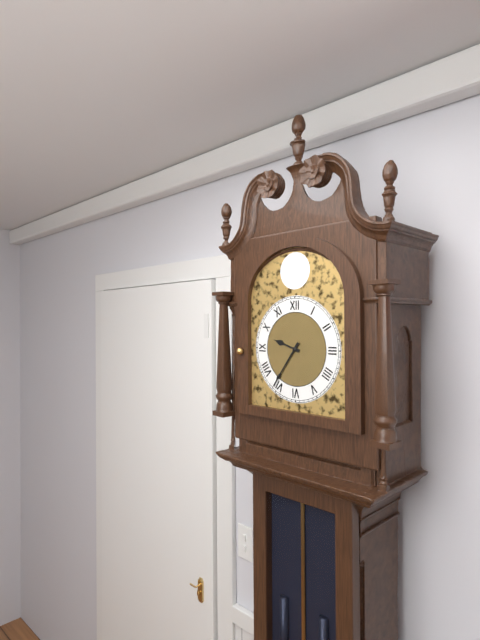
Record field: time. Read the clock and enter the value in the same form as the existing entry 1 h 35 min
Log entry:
9 h 36 min
